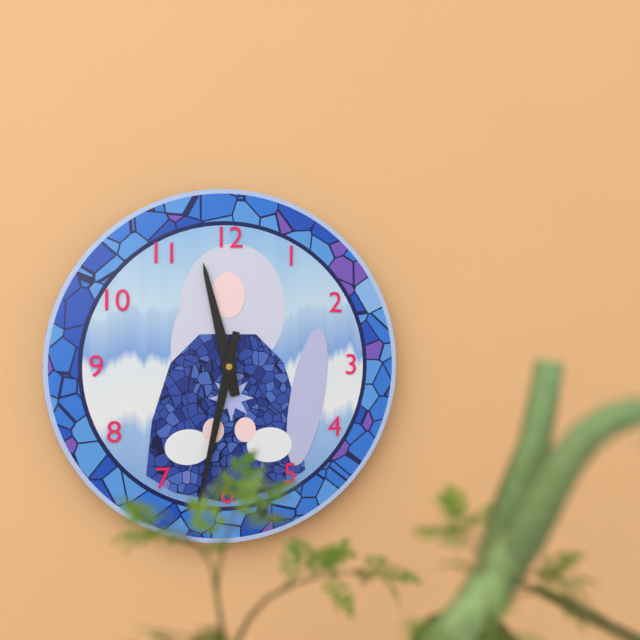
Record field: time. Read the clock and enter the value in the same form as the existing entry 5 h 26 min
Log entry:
11 h 32 min
